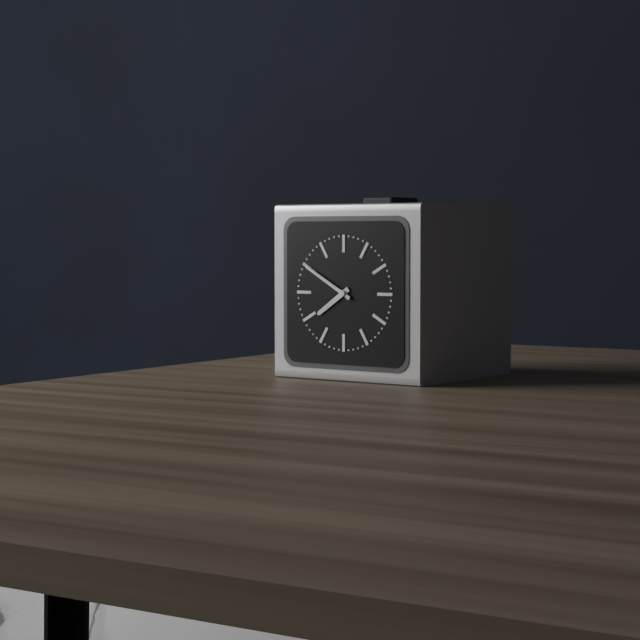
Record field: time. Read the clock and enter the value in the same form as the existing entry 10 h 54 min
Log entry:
7 h 50 min
